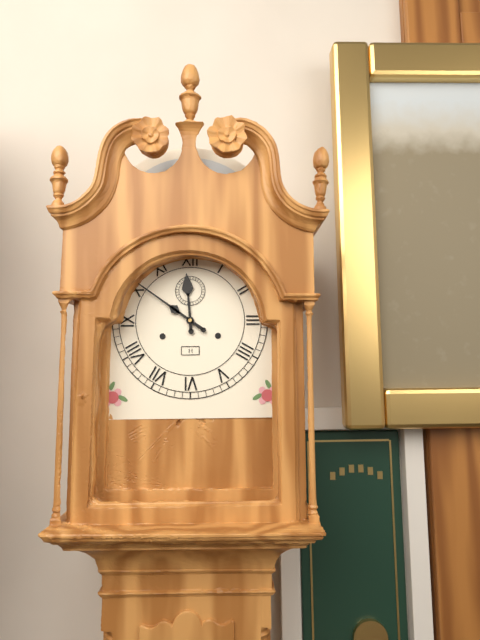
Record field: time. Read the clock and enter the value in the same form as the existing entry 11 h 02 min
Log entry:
11 h 51 min
